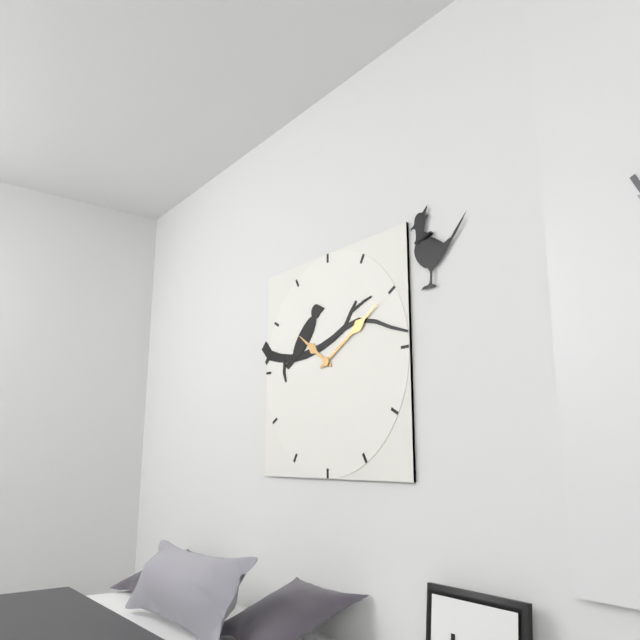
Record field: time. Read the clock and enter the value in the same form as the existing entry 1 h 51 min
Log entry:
10 h 10 min
